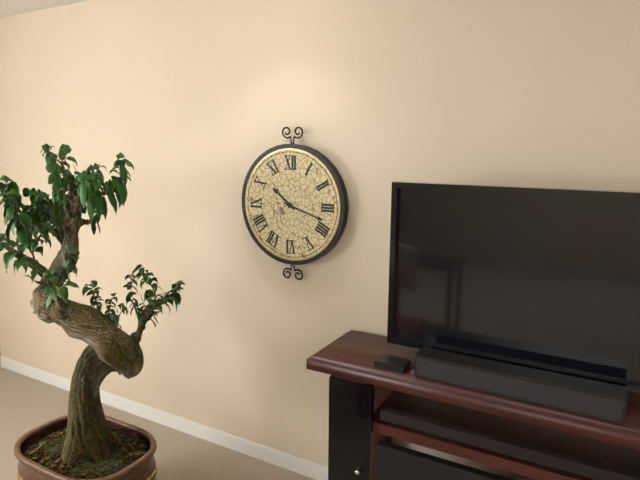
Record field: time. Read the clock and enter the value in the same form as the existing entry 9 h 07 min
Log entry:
10 h 18 min
